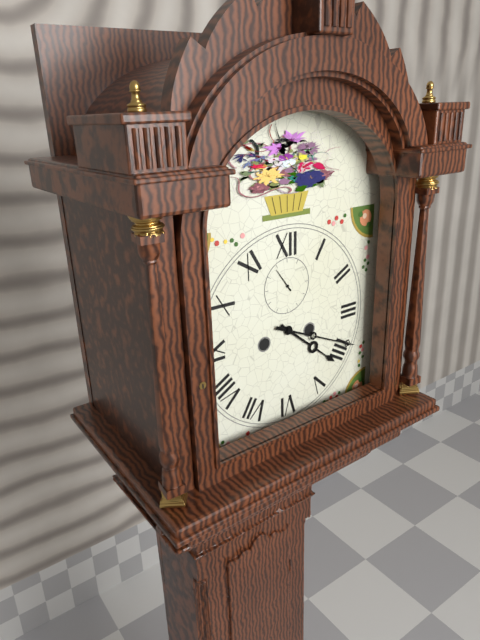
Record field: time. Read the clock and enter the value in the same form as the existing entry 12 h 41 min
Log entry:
4 h 19 min
